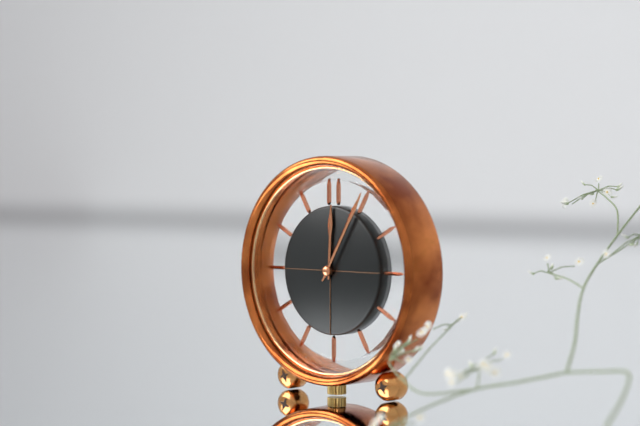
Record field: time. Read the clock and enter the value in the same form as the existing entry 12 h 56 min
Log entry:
12 h 05 min
